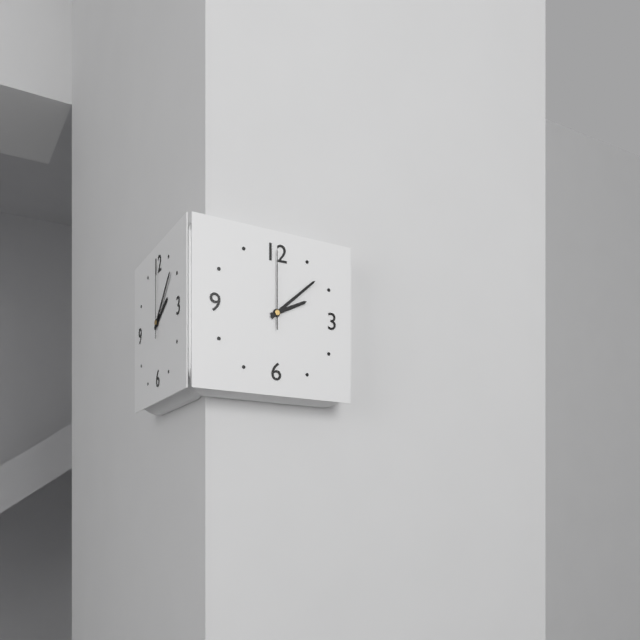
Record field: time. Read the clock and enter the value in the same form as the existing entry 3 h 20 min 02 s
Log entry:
2 h 08 min 00 s
